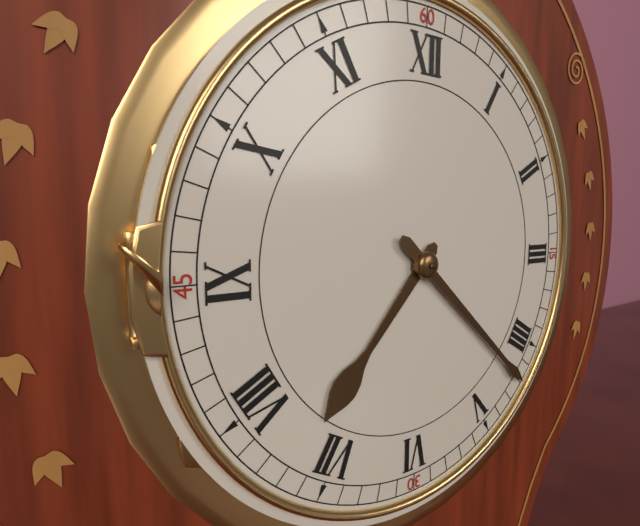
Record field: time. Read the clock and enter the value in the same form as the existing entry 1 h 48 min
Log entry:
7 h 22 min
